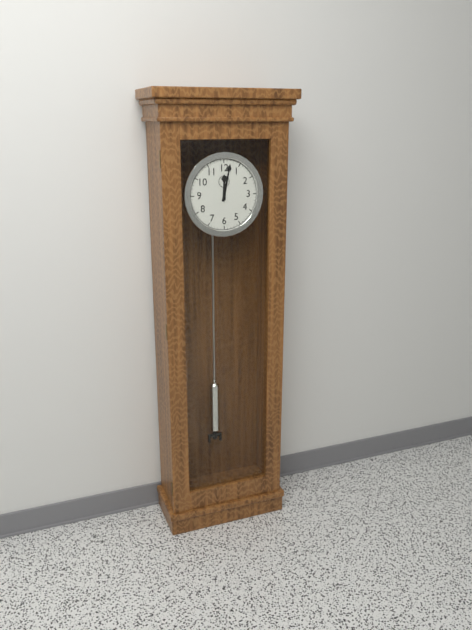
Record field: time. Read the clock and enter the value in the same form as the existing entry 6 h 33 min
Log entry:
12 h 02 min
